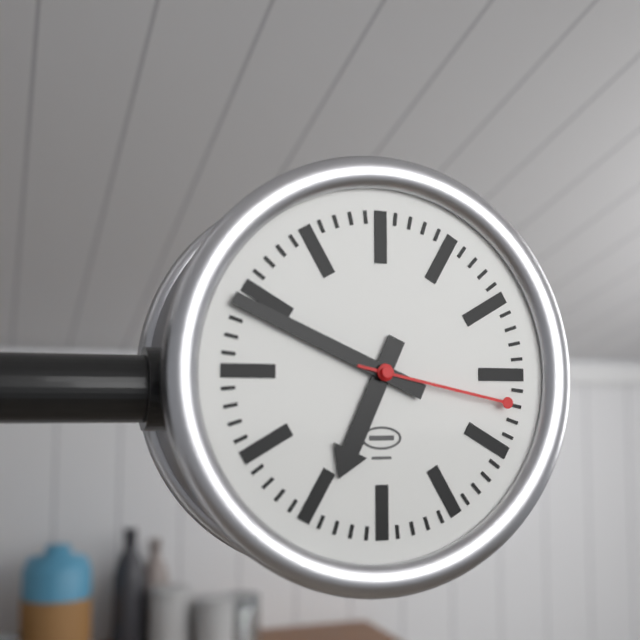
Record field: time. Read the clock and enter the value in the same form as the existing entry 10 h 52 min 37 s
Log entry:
6 h 49 min 17 s
